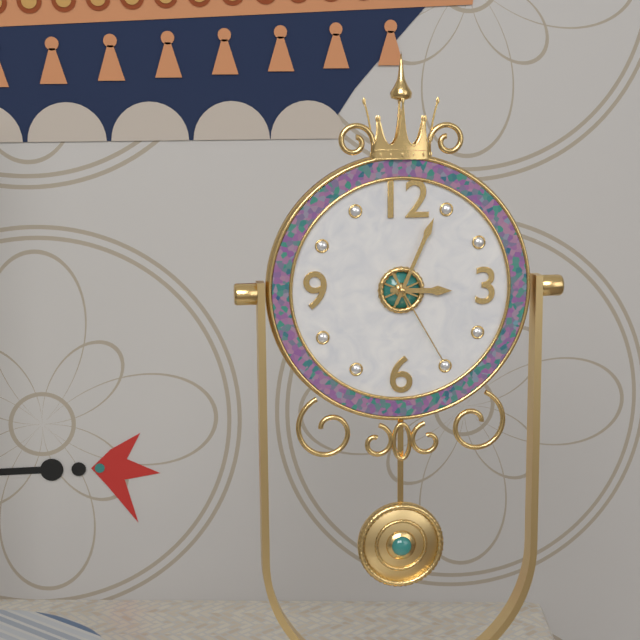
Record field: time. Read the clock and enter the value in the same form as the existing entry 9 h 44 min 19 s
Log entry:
3 h 04 min 25 s
